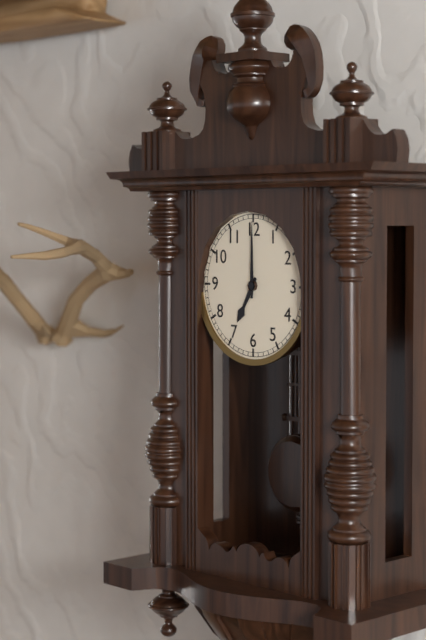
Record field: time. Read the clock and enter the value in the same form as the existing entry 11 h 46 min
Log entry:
7 h 00 min
